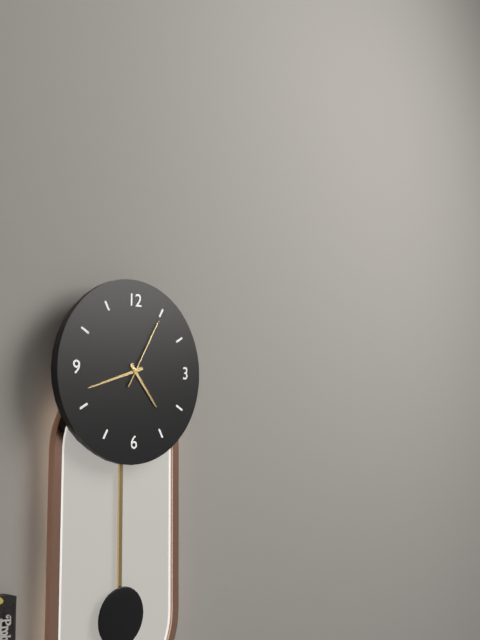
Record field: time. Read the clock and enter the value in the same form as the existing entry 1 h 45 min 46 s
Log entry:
4 h 42 min 05 s
